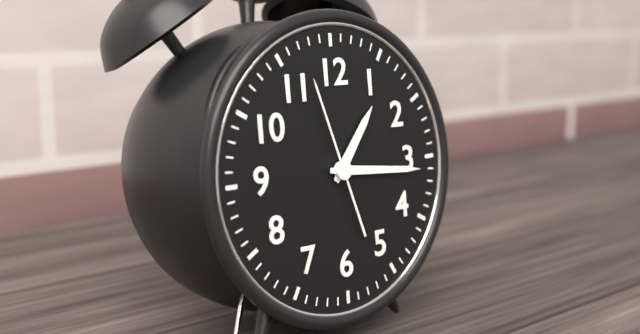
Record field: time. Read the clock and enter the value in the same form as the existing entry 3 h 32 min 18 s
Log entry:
1 h 16 min 57 s
